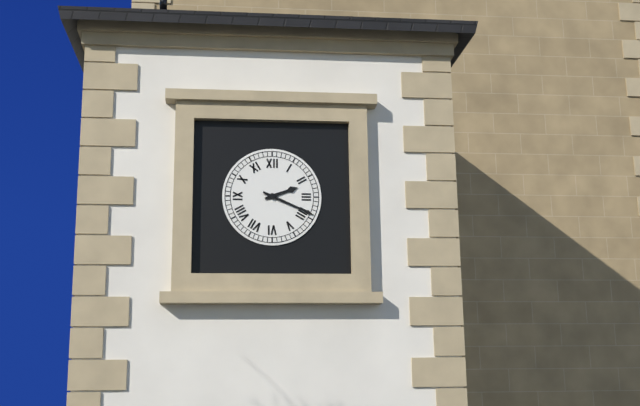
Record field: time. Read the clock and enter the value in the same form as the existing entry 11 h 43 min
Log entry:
2 h 19 min
